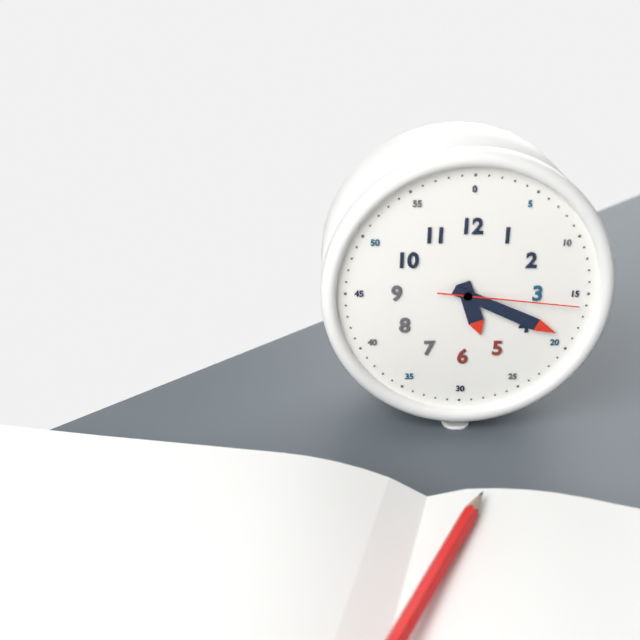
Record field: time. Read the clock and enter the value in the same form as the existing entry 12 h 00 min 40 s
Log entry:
5 h 19 min 16 s
